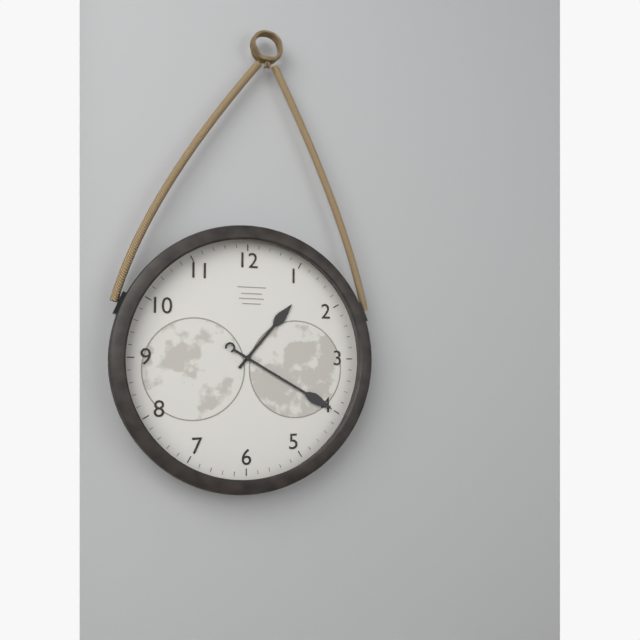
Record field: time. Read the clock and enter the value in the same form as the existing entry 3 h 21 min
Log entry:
1 h 20 min
